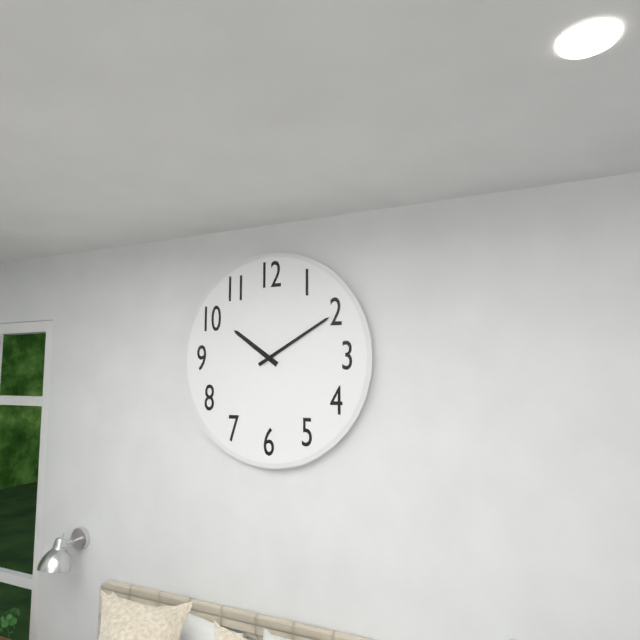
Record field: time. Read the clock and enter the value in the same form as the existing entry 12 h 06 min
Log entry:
10 h 10 min
